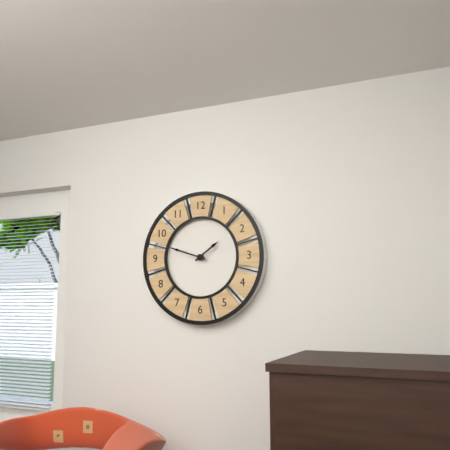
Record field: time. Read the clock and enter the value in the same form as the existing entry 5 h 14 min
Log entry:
1 h 48 min
